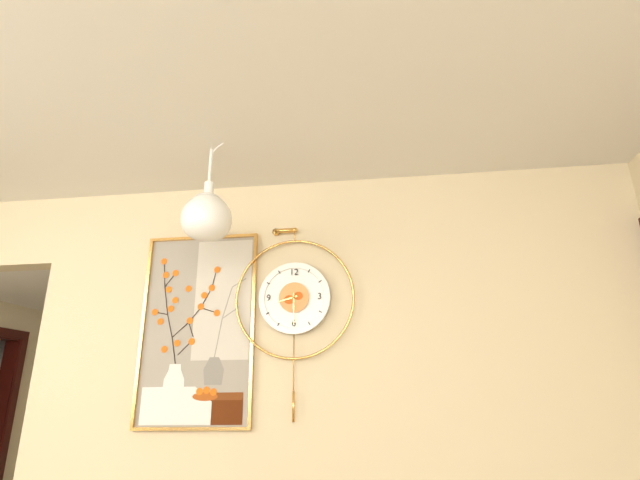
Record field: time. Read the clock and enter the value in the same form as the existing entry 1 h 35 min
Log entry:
8 h 30 min
